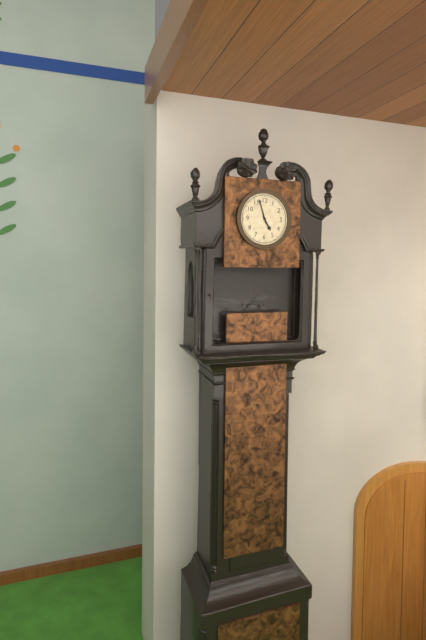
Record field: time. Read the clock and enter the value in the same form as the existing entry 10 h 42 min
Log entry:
4 h 57 min
